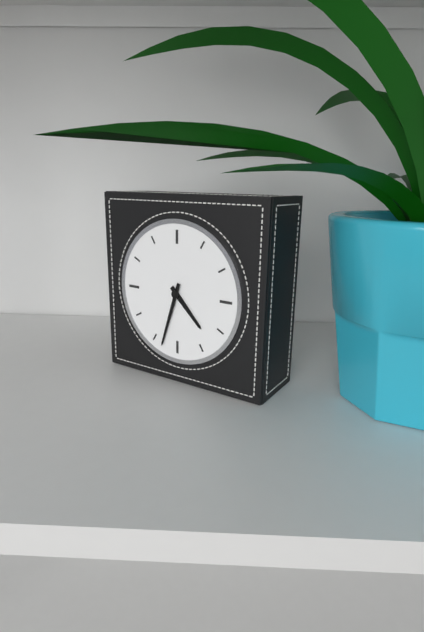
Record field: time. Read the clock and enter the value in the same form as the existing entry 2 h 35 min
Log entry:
4 h 33 min
